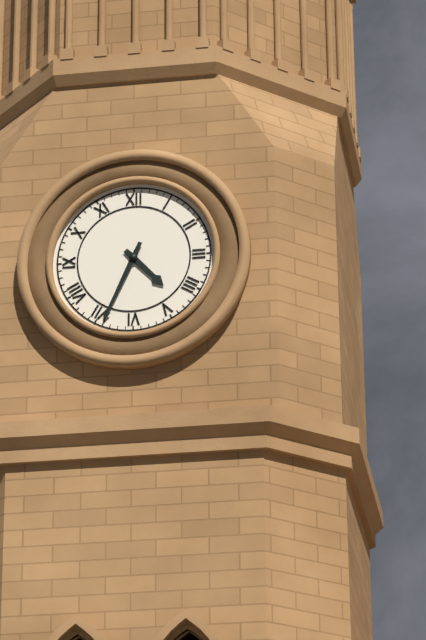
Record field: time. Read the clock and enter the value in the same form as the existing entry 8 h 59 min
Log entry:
4 h 34 min
